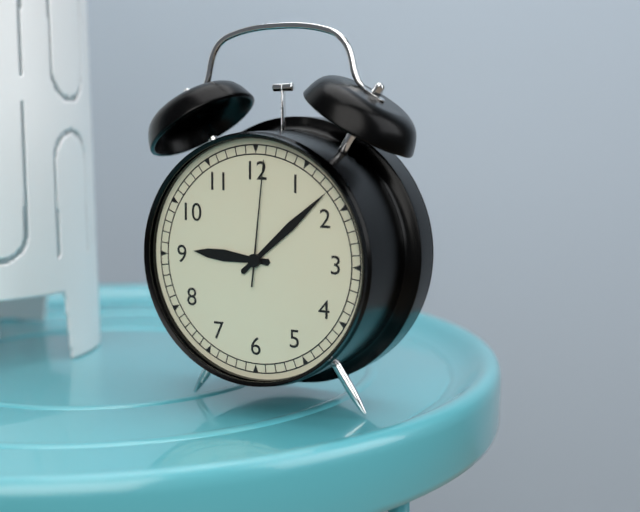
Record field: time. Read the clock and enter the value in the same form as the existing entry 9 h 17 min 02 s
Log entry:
9 h 08 min 01 s
